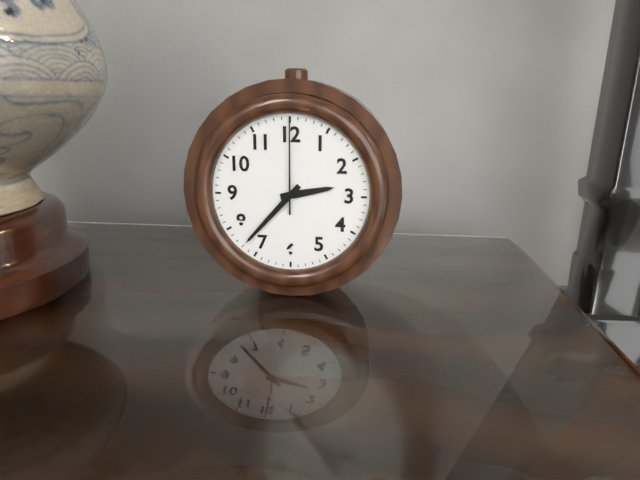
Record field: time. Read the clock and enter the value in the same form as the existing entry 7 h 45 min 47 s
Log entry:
2 h 37 min 00 s
